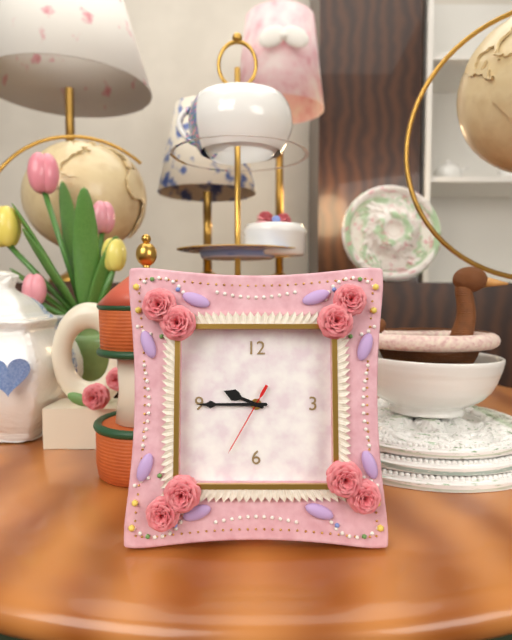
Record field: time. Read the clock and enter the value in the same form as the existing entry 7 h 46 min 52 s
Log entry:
9 h 45 min 35 s
